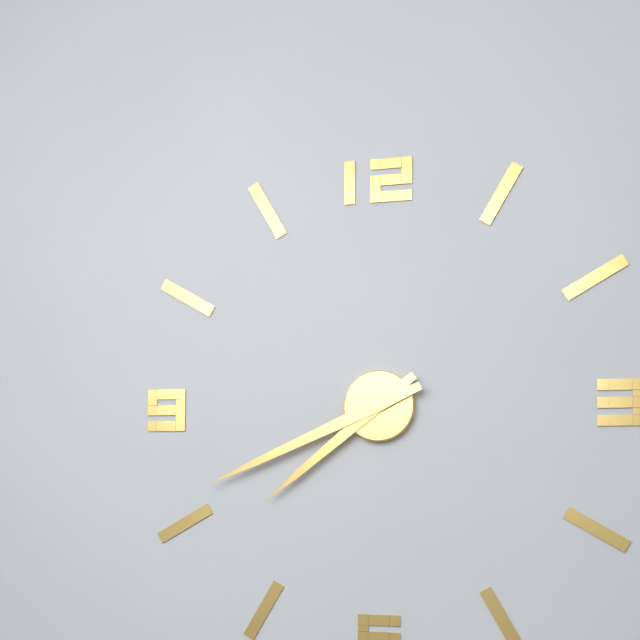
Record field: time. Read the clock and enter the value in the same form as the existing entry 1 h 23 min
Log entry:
7 h 41 min
